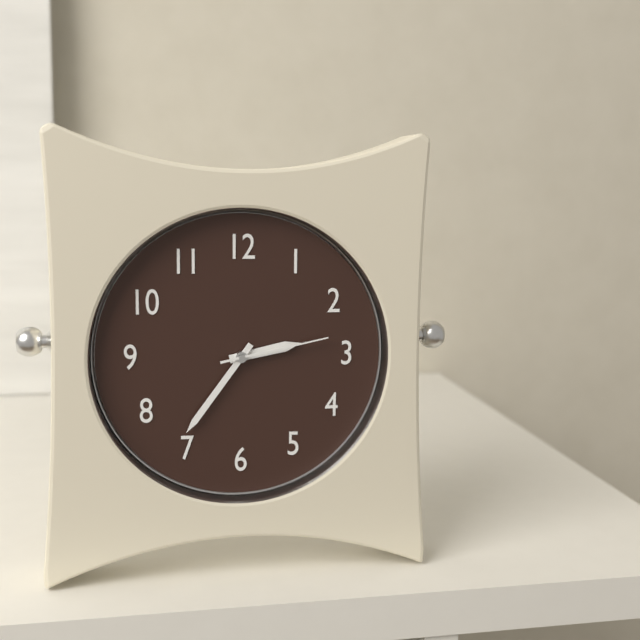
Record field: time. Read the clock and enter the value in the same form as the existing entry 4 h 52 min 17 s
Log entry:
2 h 36 min 13 s
